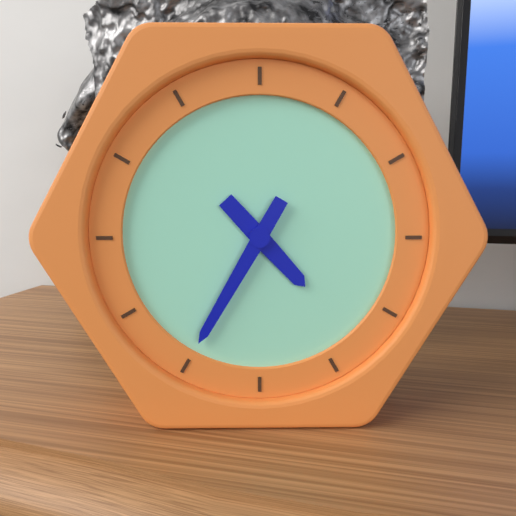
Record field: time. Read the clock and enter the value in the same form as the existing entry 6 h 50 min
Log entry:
4 h 35 min
